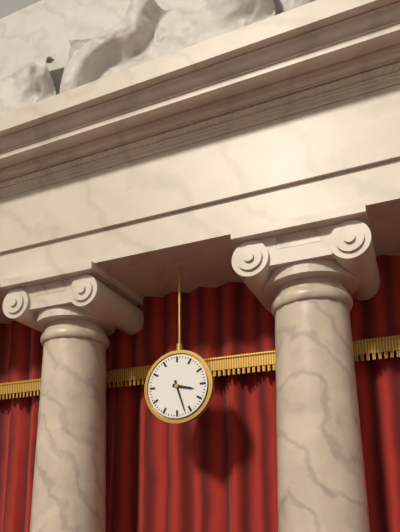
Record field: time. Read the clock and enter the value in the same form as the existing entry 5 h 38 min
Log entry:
3 h 27 min
